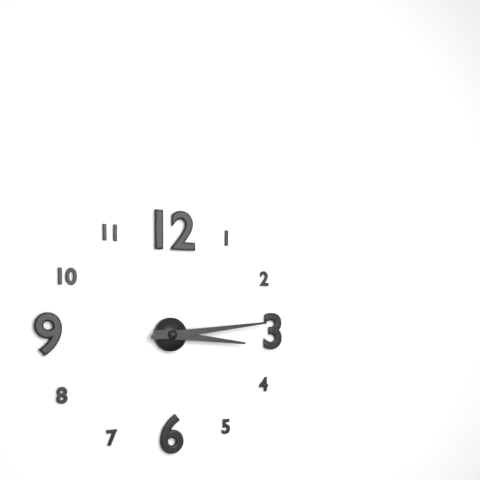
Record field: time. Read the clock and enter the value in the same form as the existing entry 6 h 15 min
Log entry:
3 h 14 min
